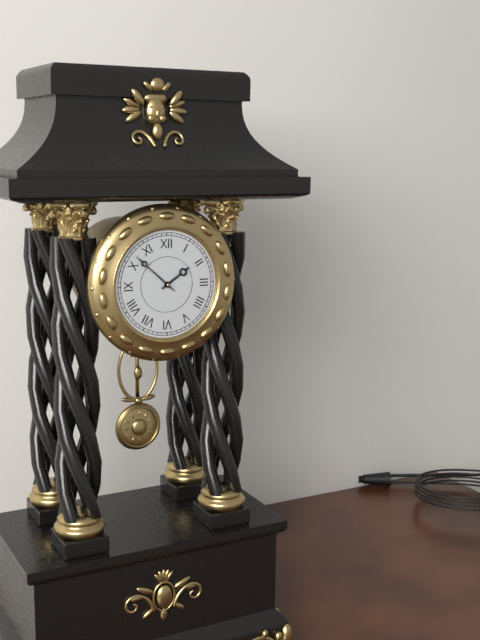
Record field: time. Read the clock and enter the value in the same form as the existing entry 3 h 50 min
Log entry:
1 h 52 min
